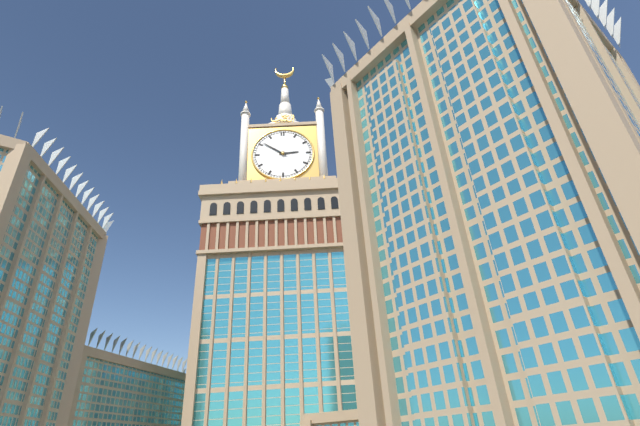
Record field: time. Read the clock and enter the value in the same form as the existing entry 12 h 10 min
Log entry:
2 h 51 min
